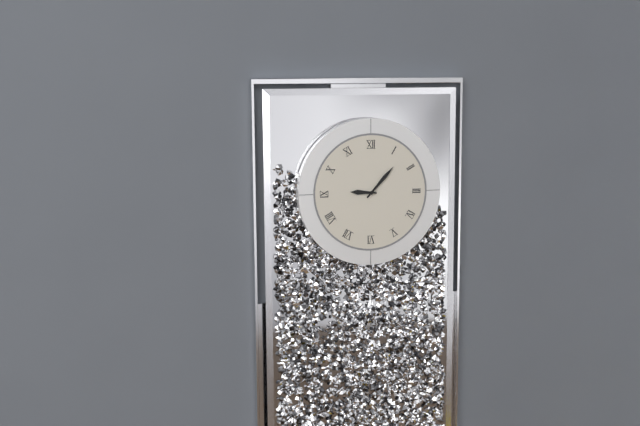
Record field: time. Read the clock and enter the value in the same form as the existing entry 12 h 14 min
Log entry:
9 h 07 min
